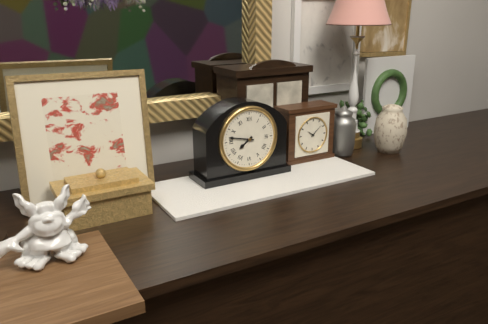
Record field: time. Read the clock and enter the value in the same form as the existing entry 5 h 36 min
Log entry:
7 h 47 min
